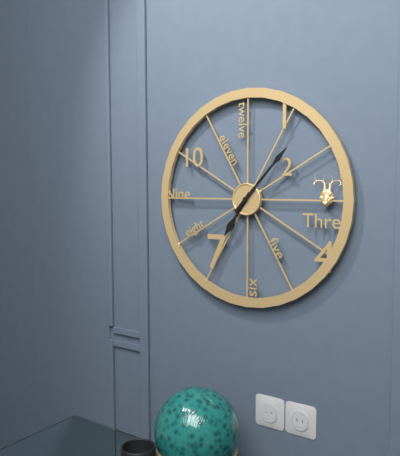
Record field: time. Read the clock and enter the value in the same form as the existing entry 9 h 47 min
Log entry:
7 h 07 min
